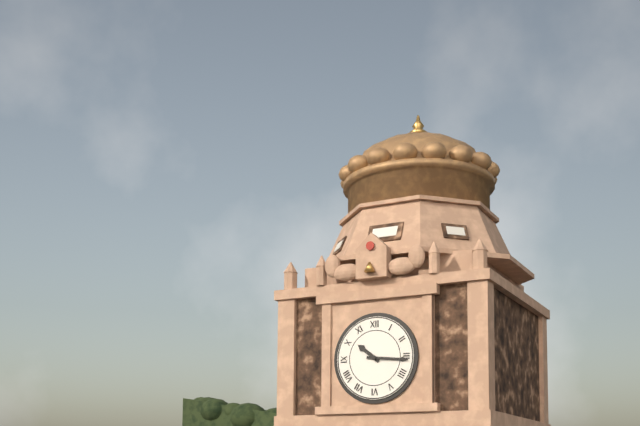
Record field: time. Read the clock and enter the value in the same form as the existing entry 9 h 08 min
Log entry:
10 h 16 min
